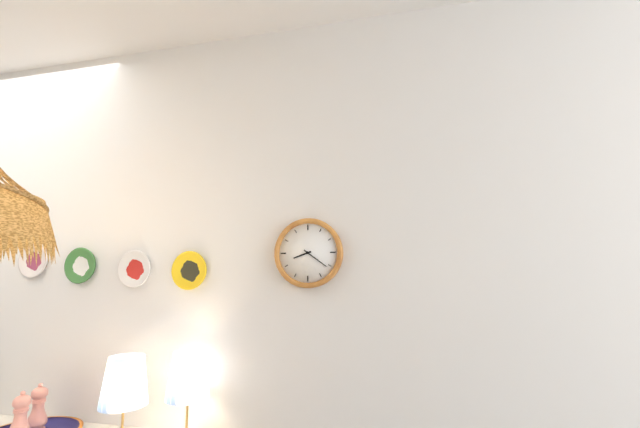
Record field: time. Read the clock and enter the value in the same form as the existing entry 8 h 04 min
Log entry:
8 h 21 min
